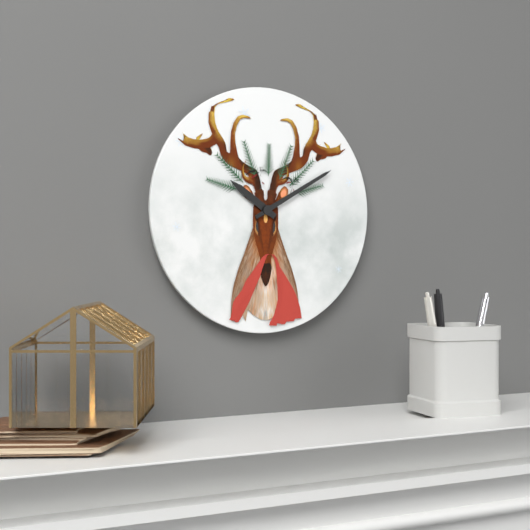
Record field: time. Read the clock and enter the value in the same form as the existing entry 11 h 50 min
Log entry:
10 h 10 min
